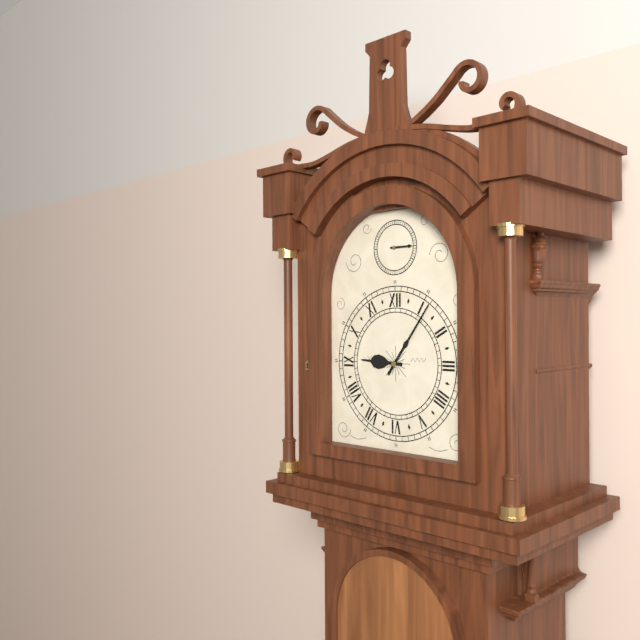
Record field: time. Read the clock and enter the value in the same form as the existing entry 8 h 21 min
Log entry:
9 h 06 min
